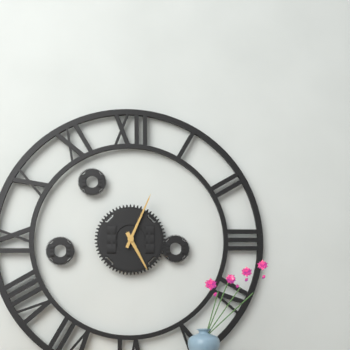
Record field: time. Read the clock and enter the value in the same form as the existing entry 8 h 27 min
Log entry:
5 h 04 min
